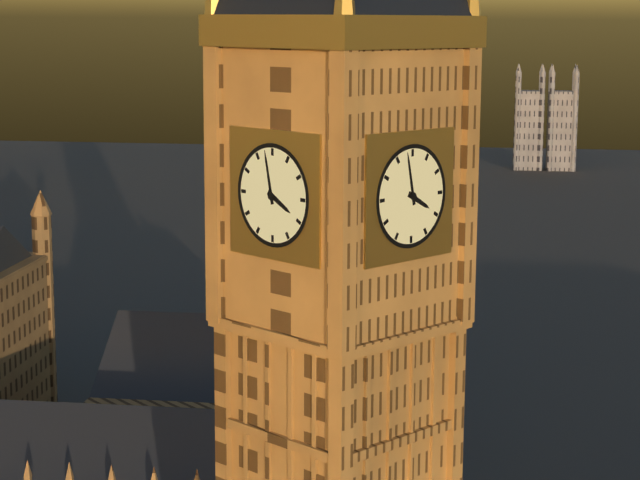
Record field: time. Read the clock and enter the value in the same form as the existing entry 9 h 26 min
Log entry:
3 h 58 min
